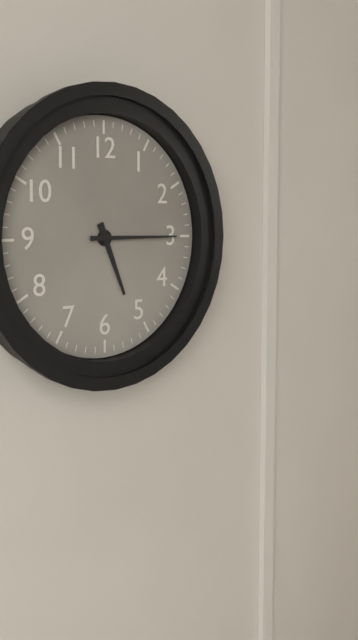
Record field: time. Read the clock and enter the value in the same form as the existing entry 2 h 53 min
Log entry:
5 h 15 min
